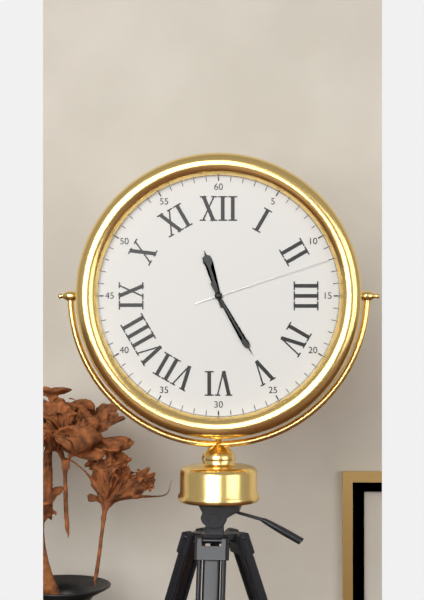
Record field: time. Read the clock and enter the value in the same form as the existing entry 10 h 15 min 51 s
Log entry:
11 h 25 min 12 s
